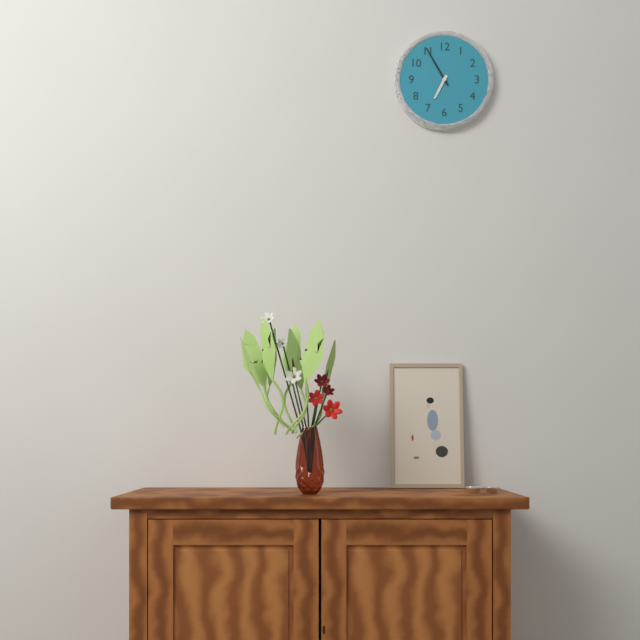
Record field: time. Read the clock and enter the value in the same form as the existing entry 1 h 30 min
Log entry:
6 h 55 min
